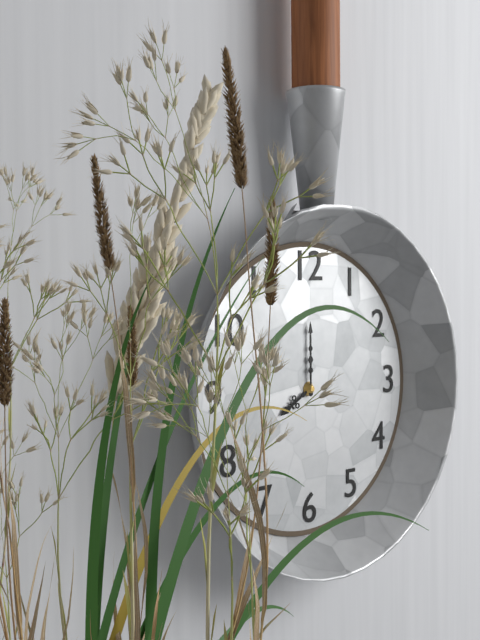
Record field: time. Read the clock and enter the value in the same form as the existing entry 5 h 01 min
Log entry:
8 h 00 min
